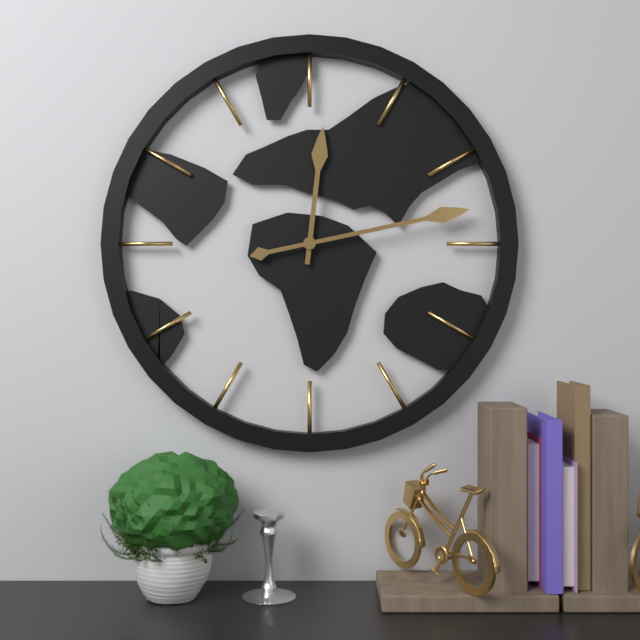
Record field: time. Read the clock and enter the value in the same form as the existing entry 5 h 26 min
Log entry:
12 h 13 min
